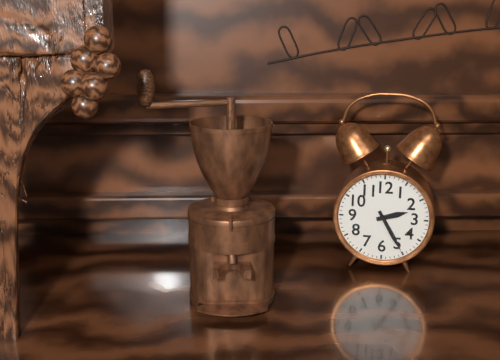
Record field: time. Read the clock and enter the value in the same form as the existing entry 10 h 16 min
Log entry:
2 h 25 min
